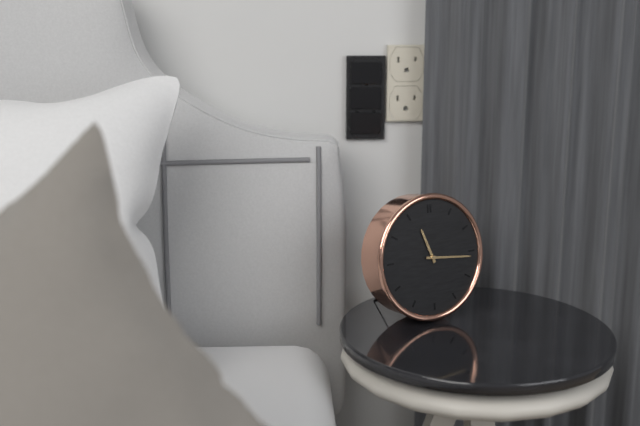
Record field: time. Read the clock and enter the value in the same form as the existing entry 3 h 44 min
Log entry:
11 h 16 min
